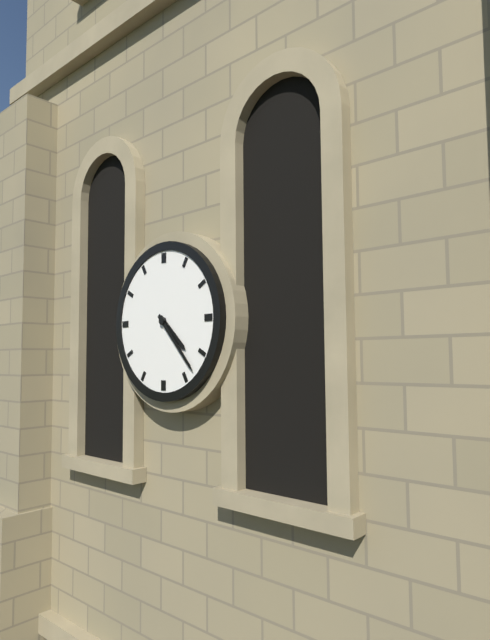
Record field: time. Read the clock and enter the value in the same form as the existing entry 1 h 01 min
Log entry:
4 h 23 min
